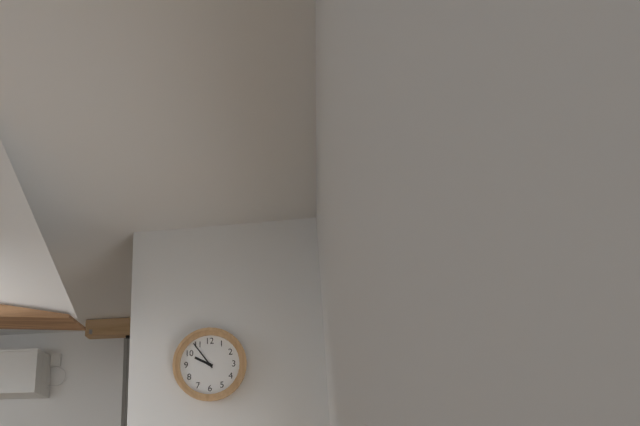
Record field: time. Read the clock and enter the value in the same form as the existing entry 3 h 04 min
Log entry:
9 h 54 min
